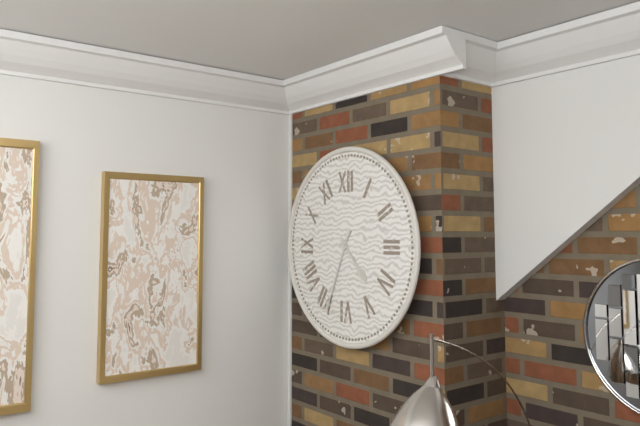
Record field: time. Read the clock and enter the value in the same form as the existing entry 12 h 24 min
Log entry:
4 h 34 min
